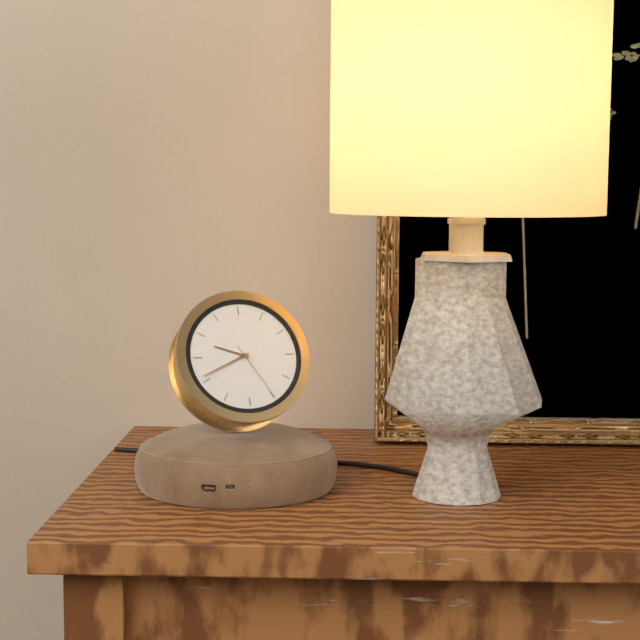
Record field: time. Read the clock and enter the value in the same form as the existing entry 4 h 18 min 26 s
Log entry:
9 h 41 min 25 s
